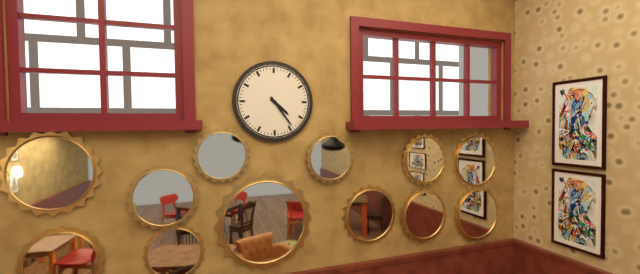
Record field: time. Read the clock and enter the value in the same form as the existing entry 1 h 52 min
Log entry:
4 h 24 min
